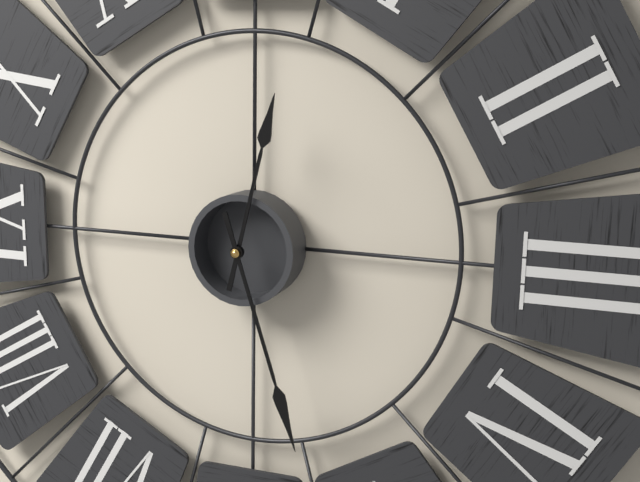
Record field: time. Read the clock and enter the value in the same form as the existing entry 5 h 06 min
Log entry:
12 h 27 min
